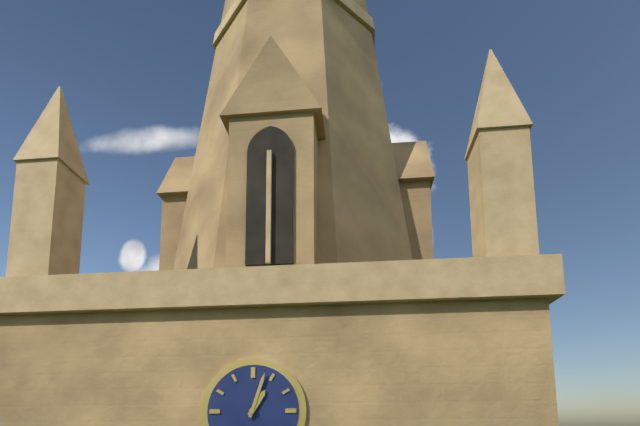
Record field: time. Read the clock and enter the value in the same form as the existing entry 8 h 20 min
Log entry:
1 h 03 min
